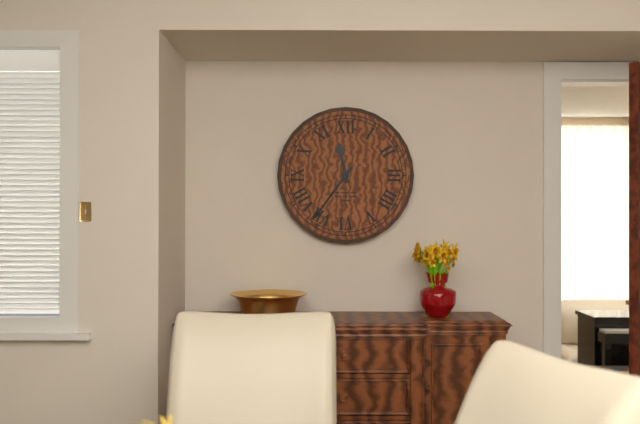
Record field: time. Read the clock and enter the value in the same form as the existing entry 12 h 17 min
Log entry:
11 h 36 min
